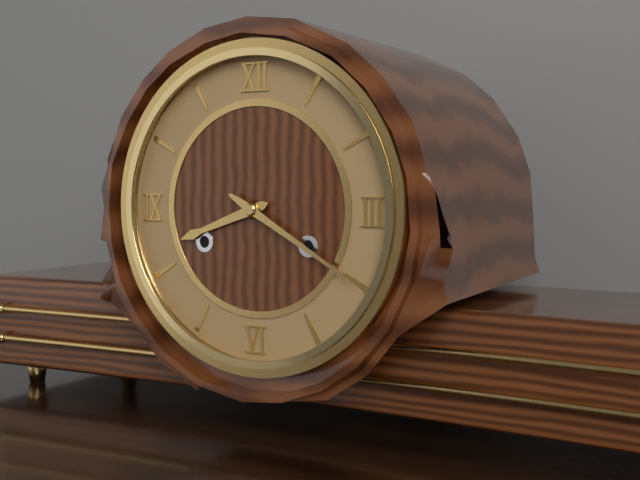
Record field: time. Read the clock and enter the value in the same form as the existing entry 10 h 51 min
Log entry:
8 h 20 min
